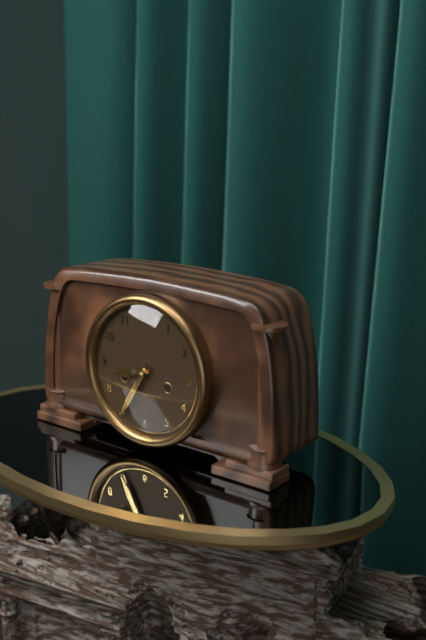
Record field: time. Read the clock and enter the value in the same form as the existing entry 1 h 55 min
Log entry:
8 h 35 min
